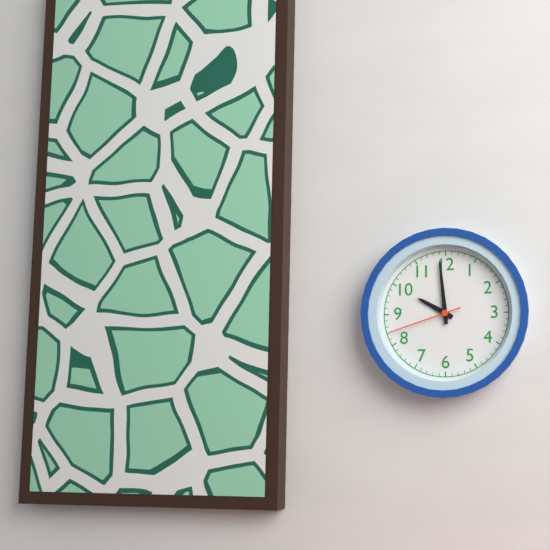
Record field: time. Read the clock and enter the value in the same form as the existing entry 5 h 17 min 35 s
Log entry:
9 h 59 min 42 s
